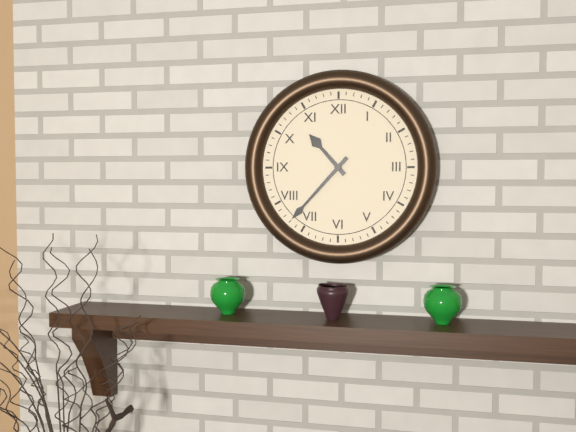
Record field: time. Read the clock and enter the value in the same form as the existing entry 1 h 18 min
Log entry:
10 h 37 min
